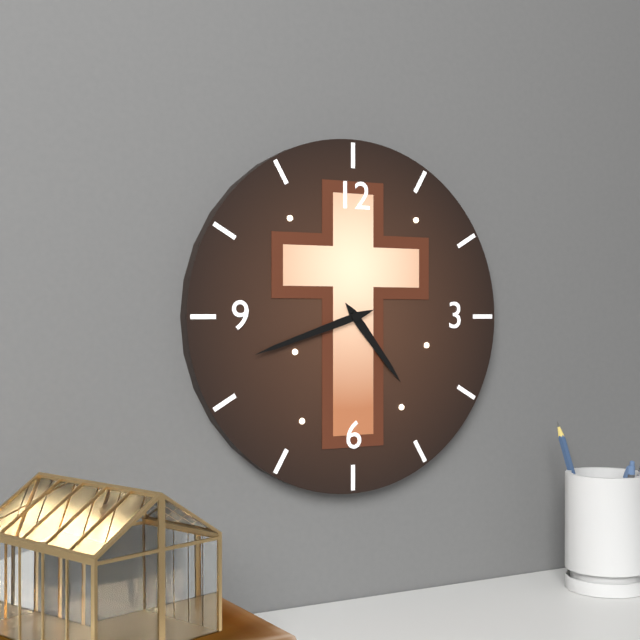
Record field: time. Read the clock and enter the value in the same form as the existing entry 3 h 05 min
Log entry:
4 h 42 min
